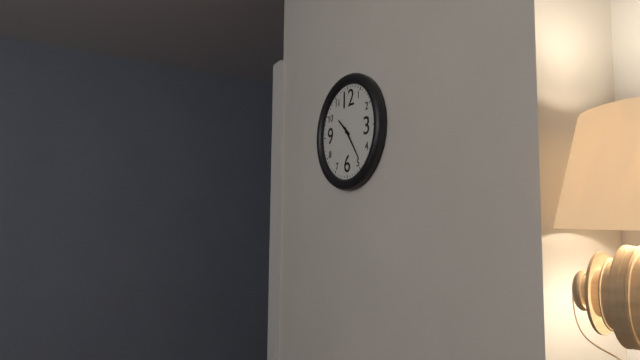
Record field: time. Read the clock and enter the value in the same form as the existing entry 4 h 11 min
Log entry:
10 h 24 min
